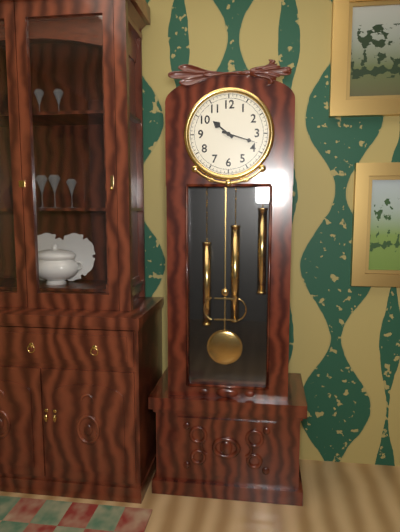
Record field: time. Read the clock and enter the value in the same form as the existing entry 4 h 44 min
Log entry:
10 h 18 min
